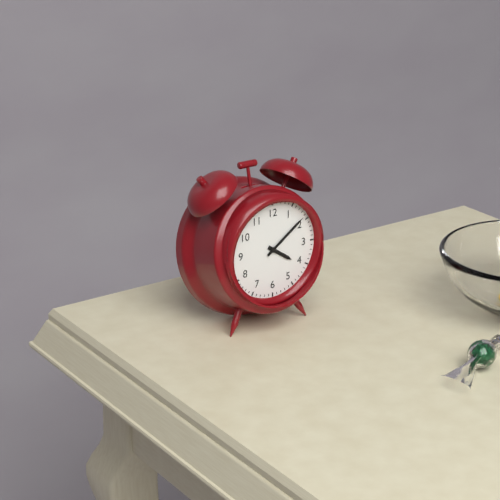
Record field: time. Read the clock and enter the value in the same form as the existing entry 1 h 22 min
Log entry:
4 h 09 min
